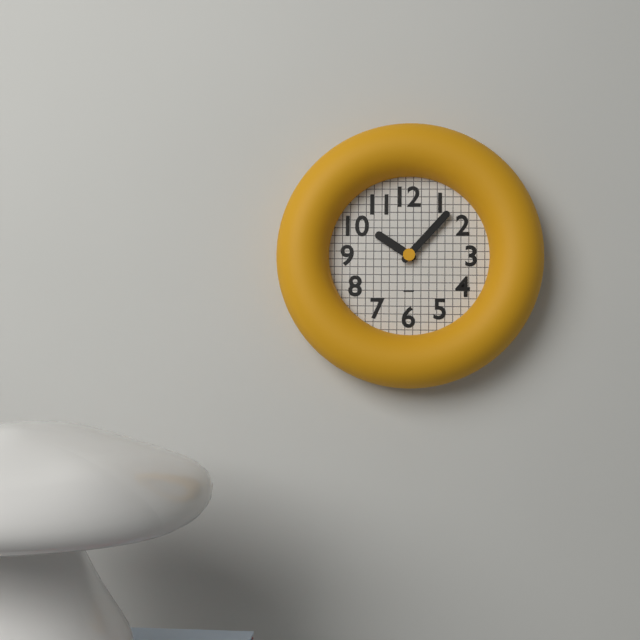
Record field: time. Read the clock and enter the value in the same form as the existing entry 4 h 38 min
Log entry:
10 h 07 min
